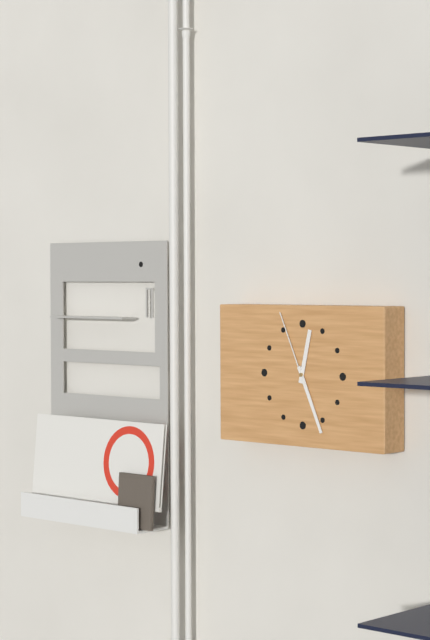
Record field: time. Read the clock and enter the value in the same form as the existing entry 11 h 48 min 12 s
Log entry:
12 h 26 min 56 s
